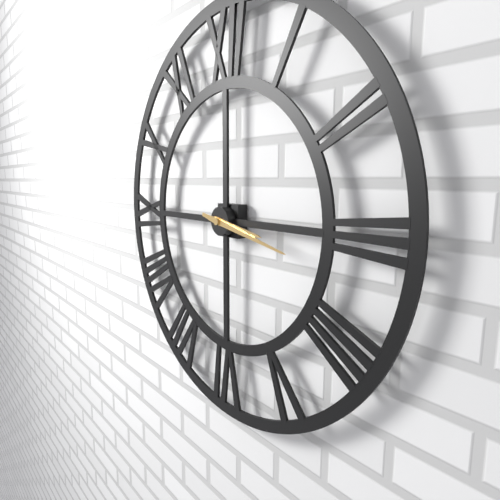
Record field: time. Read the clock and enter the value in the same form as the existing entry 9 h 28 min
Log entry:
3 h 17 min
